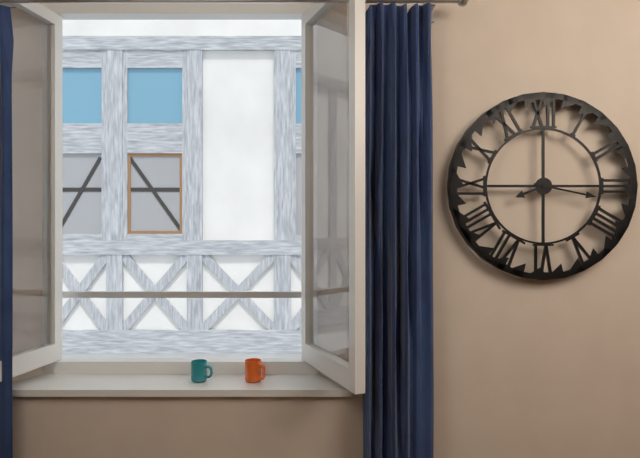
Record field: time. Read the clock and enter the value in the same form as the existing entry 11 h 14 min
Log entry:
8 h 17 min
